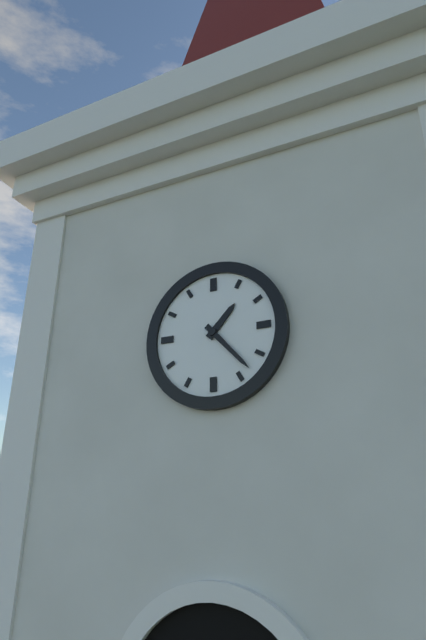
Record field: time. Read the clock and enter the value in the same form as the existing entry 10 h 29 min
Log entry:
1 h 23 min
